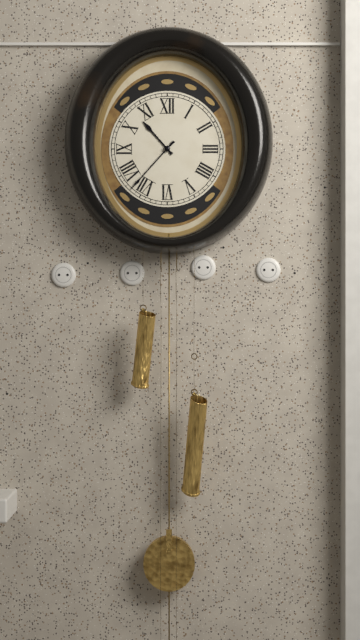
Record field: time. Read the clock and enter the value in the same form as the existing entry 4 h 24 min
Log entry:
10 h 37 min
